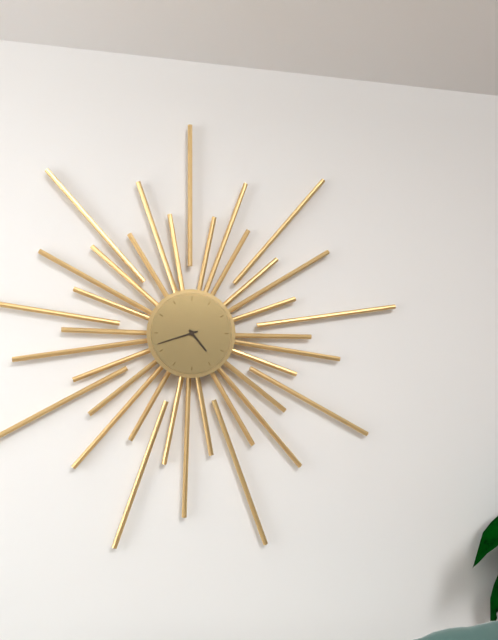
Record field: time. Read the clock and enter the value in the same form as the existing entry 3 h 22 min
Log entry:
4 h 42 min
